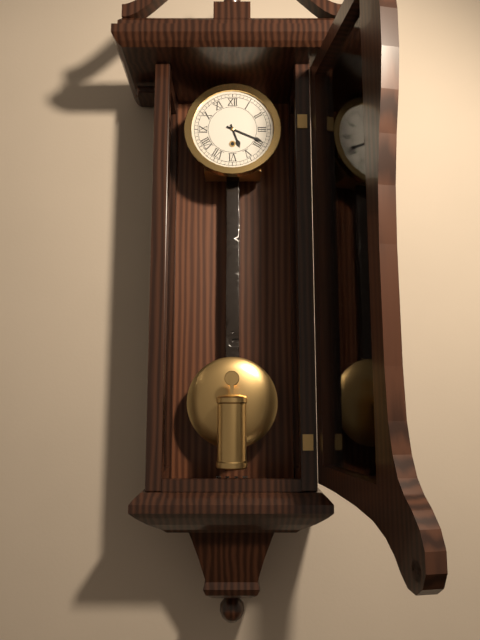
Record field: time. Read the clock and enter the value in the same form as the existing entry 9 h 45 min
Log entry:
5 h 19 min
